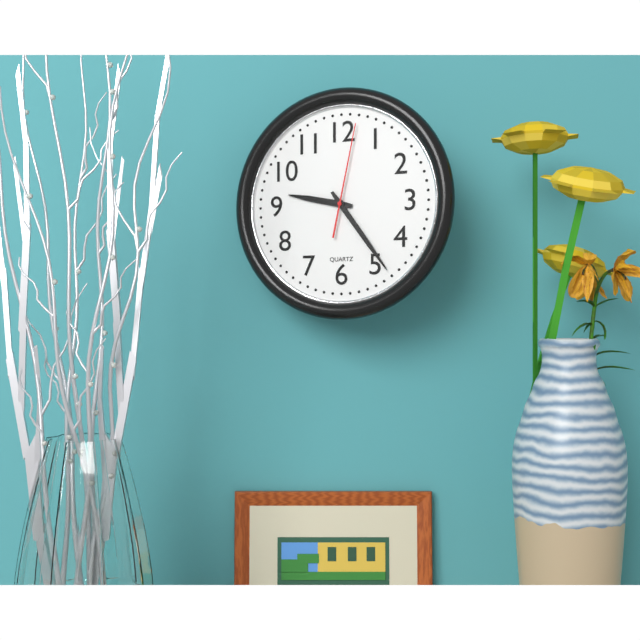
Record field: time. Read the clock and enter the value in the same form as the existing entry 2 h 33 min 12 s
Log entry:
9 h 24 min 02 s
